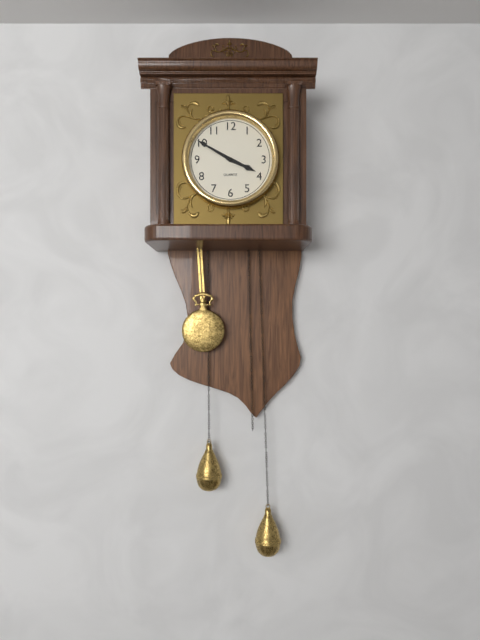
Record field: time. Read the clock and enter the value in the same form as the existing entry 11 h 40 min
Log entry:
3 h 50 min
